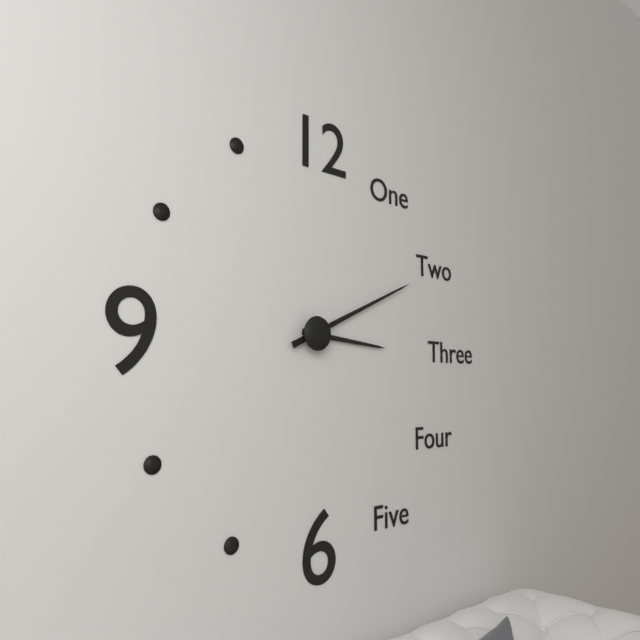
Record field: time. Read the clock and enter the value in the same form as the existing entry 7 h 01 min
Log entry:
3 h 11 min
